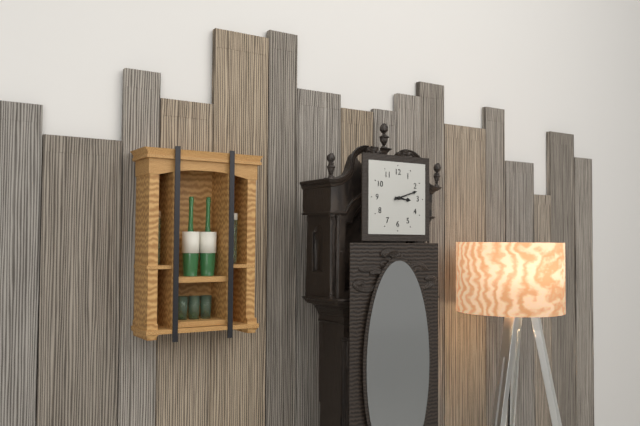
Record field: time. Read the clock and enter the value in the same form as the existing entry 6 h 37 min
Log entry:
3 h 12 min
